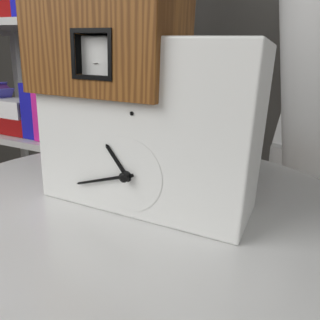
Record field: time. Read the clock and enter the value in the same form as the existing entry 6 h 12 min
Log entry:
10 h 42 min
